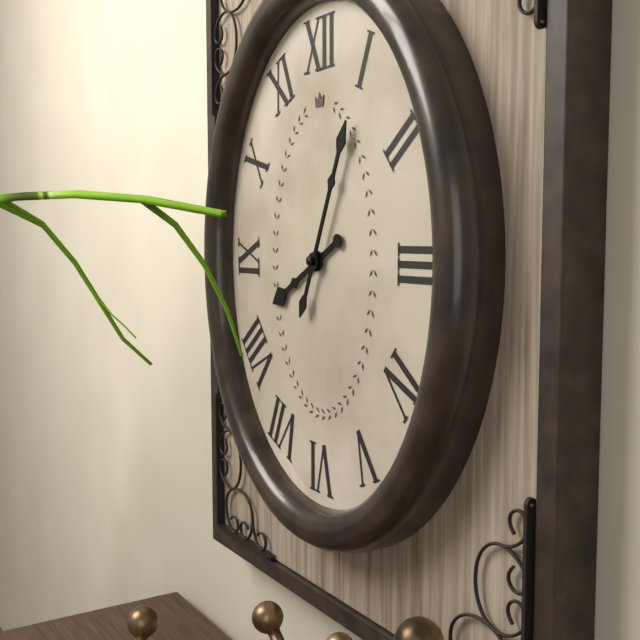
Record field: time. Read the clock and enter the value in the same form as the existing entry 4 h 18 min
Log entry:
8 h 04 min
